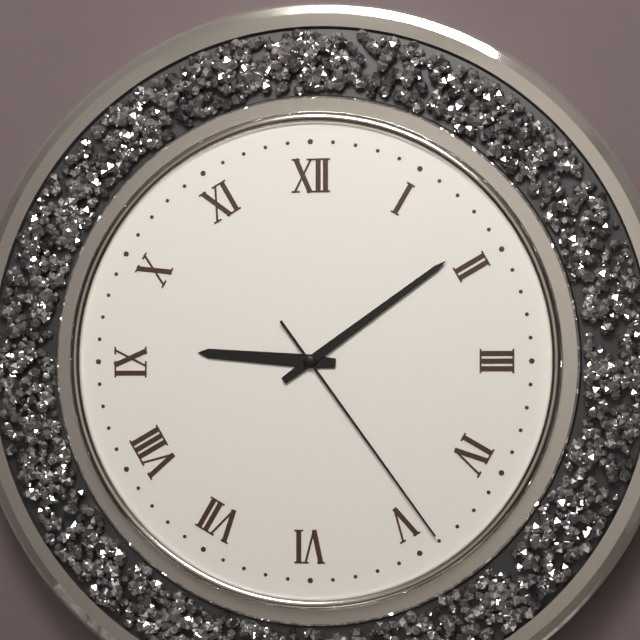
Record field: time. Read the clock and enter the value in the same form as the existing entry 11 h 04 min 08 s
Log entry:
9 h 09 min 24 s
